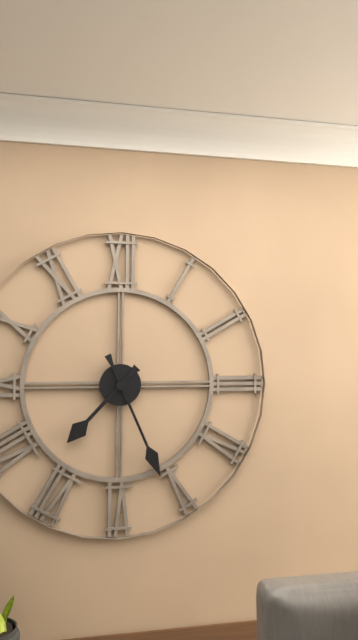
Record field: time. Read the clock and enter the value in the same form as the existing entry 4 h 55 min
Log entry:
7 h 26 min
